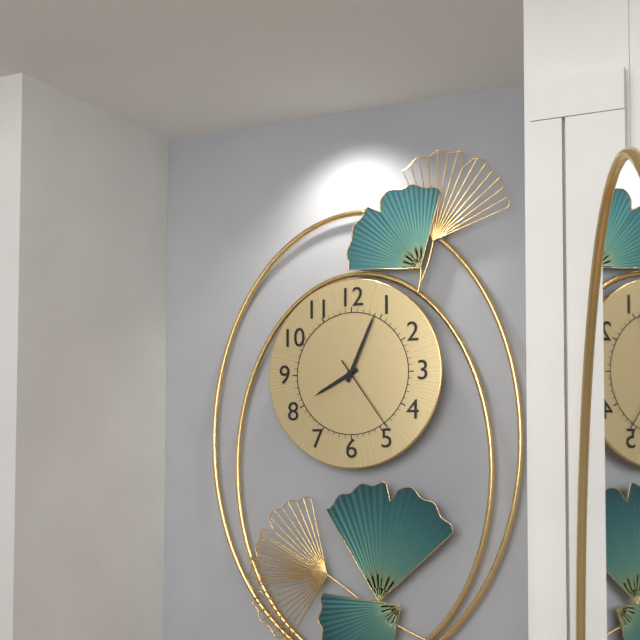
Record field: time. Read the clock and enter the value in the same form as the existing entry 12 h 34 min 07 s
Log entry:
8 h 04 min 24 s
